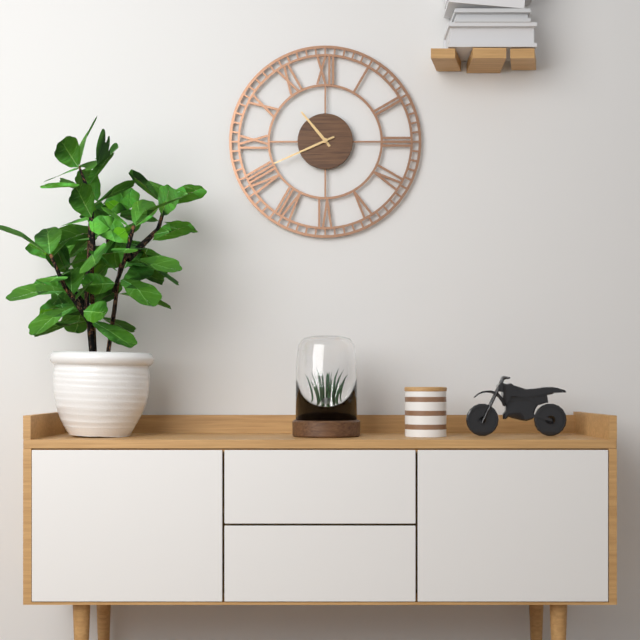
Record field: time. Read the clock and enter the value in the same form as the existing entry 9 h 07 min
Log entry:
10 h 41 min
